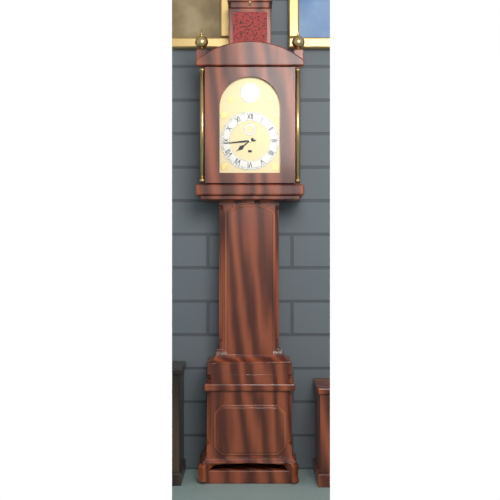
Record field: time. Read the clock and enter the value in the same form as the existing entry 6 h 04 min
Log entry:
7 h 44 min
